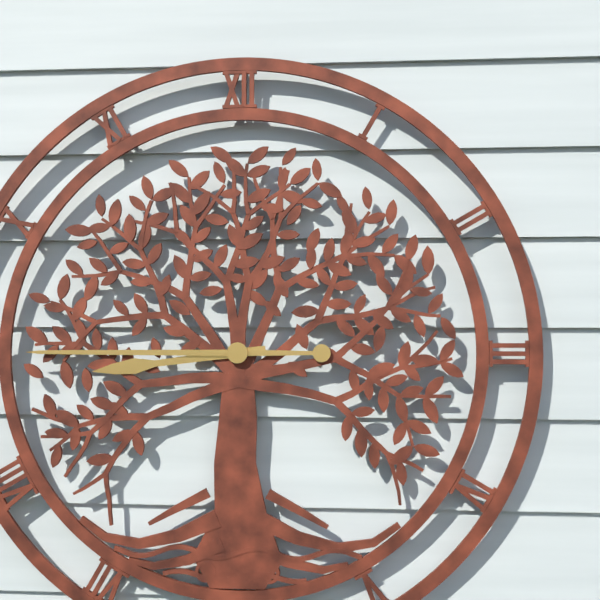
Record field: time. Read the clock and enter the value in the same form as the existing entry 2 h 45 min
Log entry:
8 h 45 min
